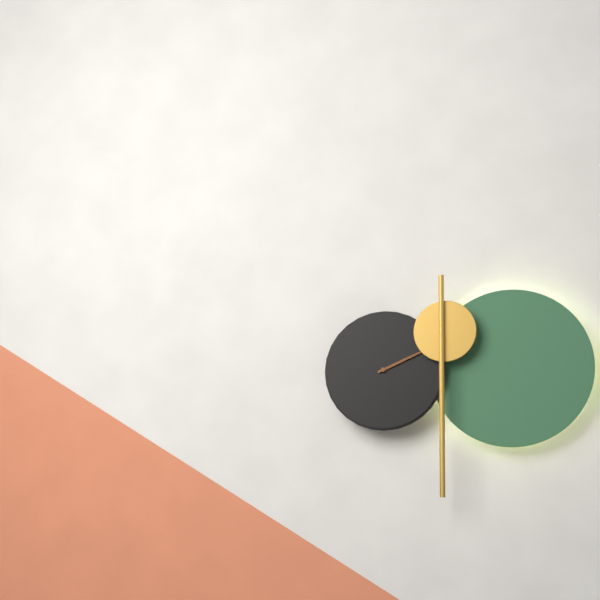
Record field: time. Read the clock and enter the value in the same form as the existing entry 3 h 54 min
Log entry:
2 h 11 min
